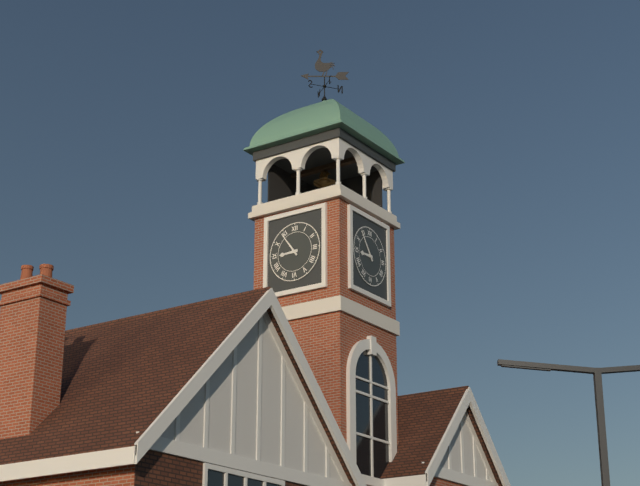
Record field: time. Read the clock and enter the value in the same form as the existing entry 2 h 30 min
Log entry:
8 h 54 min
